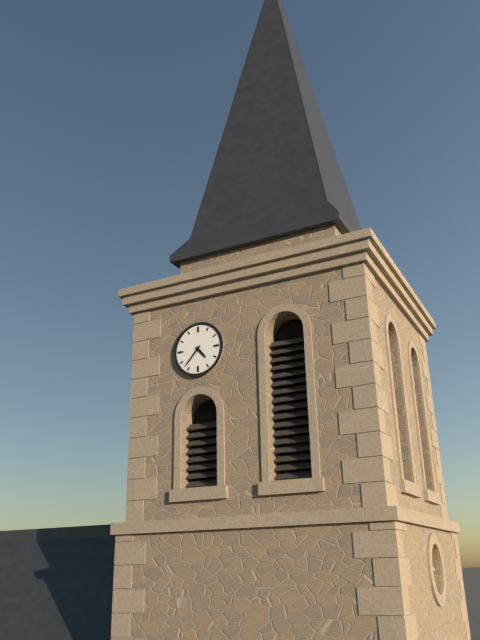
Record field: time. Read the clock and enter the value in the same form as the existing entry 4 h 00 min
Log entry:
4 h 37 min
